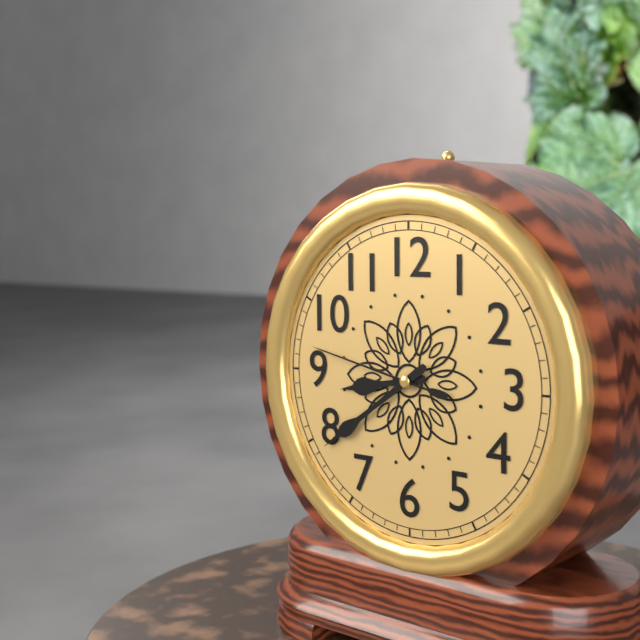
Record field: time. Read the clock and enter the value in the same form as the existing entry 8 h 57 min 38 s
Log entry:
8 h 39 min 47 s
